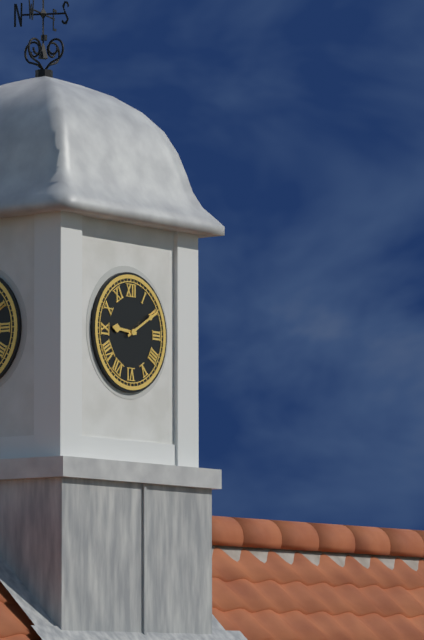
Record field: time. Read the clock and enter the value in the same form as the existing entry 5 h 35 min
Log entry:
9 h 10 min
